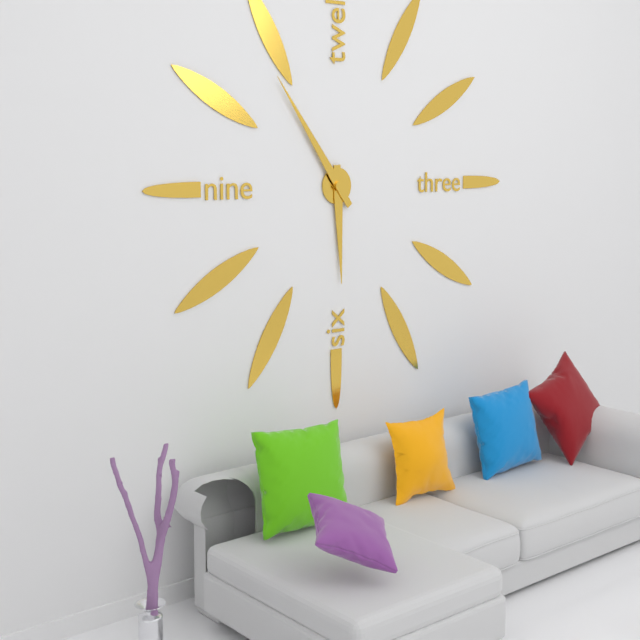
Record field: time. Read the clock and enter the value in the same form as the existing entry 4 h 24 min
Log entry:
5 h 54 min
